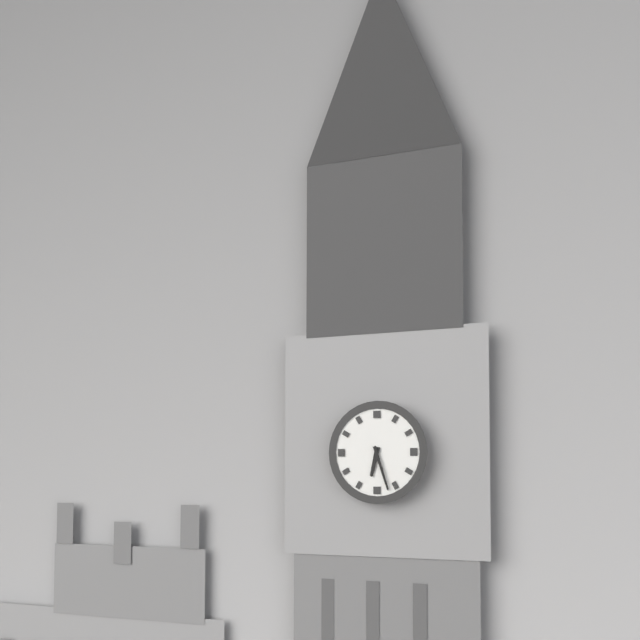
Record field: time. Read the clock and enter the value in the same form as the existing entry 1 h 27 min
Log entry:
6 h 27 min
